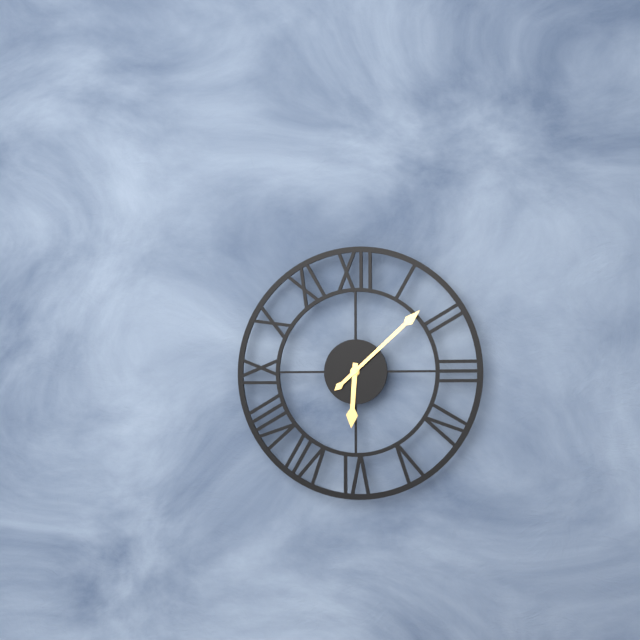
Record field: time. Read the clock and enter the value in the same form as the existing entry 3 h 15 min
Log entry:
6 h 08 min
